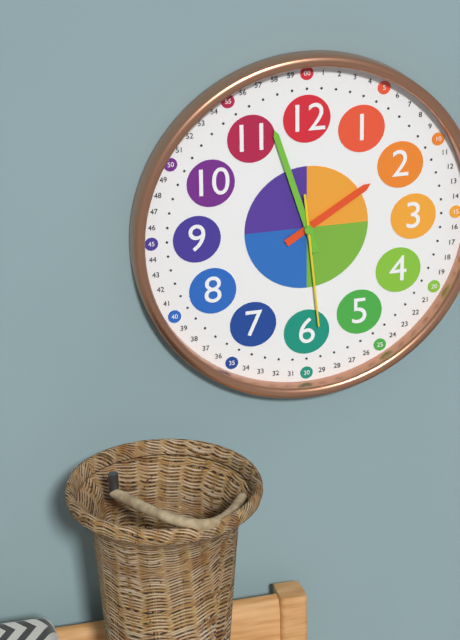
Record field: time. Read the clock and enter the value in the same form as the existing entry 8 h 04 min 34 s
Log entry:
1 h 57 min 29 s
